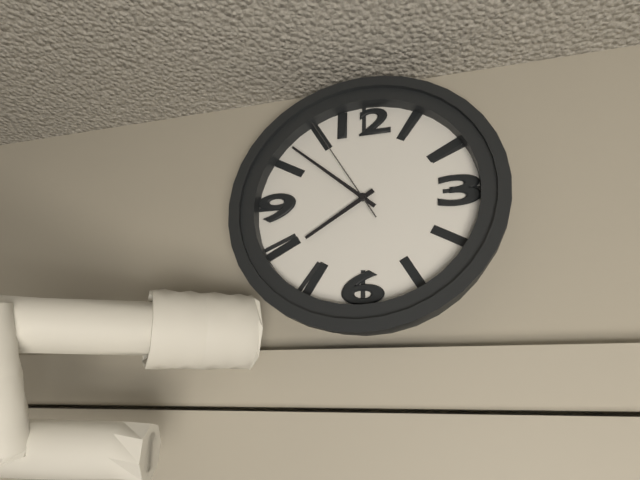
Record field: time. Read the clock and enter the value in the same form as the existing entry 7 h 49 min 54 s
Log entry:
7 h 52 min 55 s
